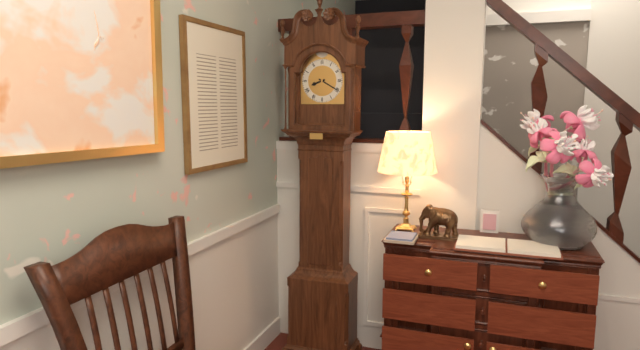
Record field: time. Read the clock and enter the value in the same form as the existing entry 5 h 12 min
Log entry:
8 h 20 min
